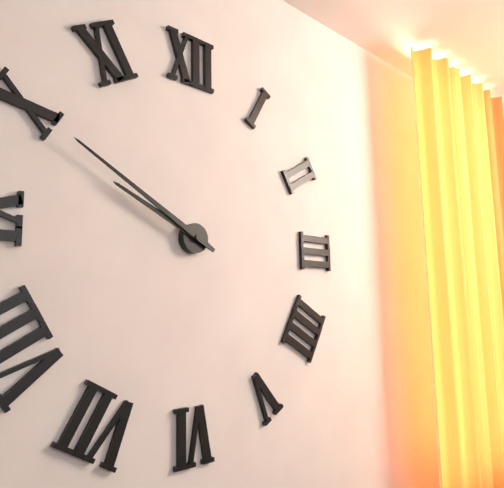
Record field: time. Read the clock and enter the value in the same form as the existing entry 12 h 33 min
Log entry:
9 h 50 min
